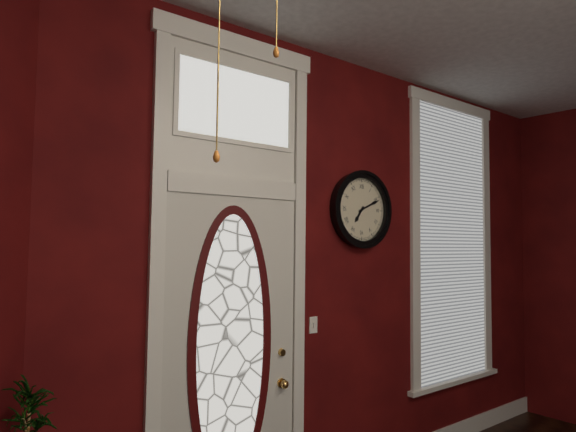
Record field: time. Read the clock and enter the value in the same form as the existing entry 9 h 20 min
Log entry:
7 h 11 min
